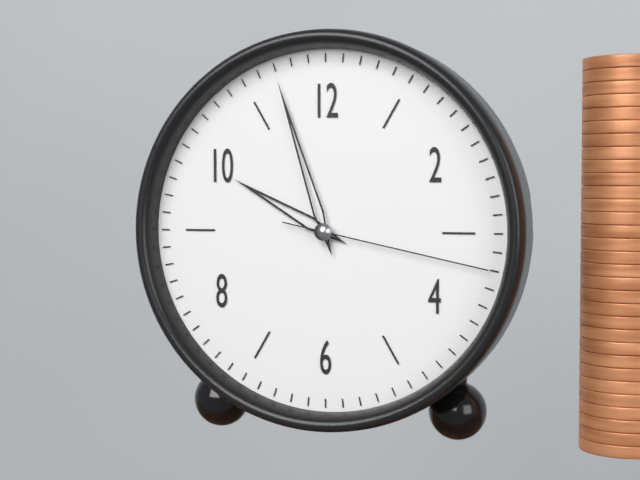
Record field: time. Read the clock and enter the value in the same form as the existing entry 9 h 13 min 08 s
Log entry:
9 h 57 min 17 s
